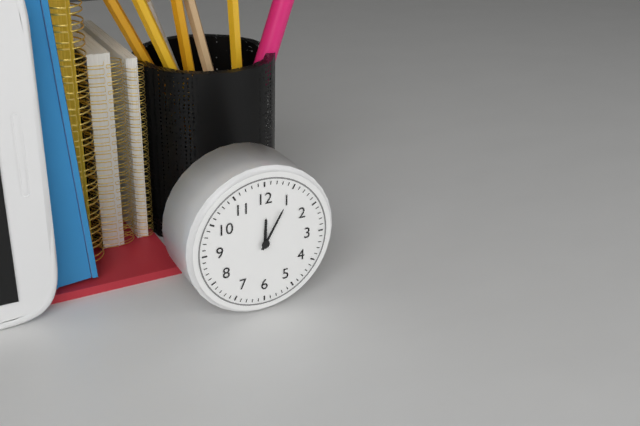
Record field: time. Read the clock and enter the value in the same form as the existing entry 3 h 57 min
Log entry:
12 h 05 min
